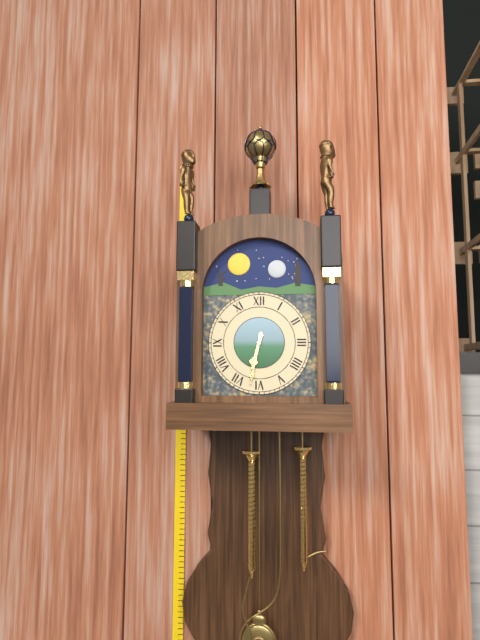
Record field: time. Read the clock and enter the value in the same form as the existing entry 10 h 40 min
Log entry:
6 h 32 min
